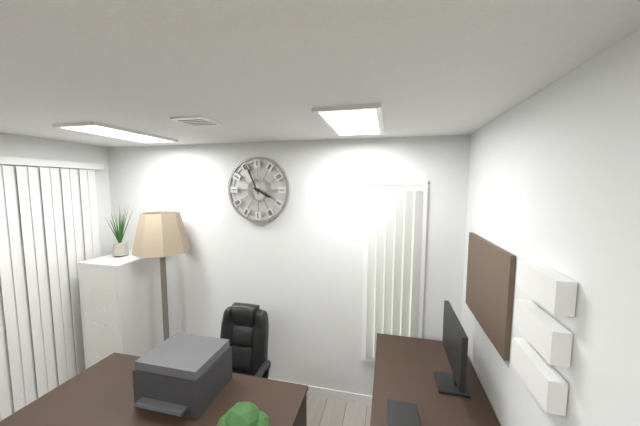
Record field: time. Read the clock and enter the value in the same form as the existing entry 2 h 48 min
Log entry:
3 h 56 min
